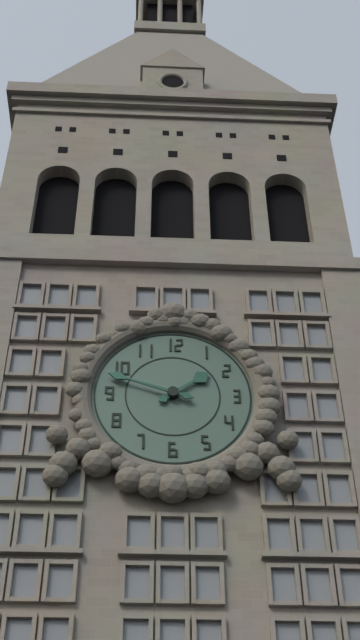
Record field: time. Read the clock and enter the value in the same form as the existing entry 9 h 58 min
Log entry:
1 h 48 min
